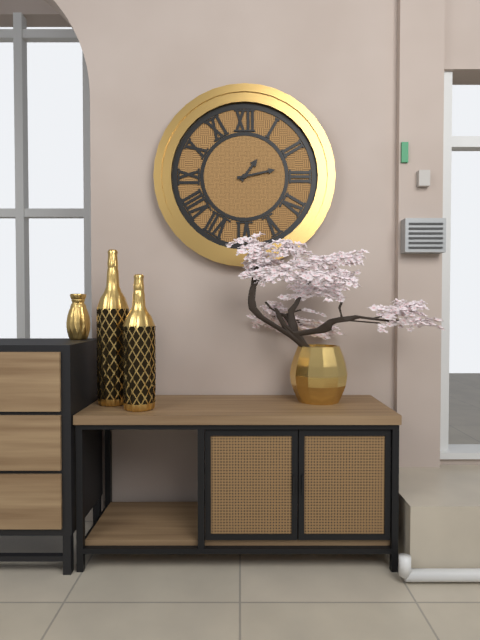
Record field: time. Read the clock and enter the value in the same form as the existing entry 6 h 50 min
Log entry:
1 h 13 min
